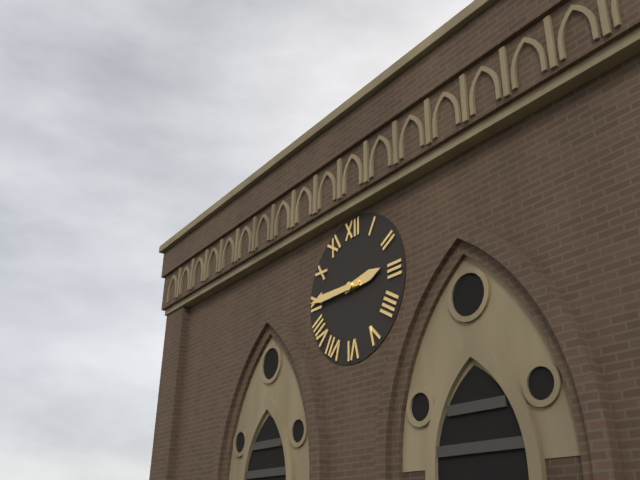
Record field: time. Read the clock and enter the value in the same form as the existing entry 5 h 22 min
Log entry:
2 h 45 min
